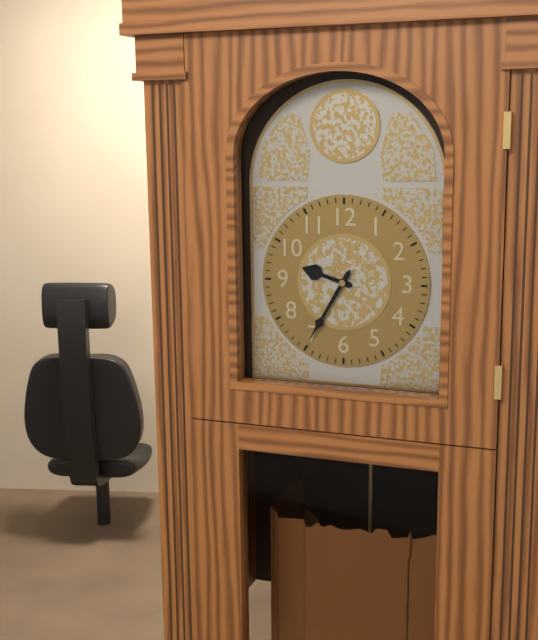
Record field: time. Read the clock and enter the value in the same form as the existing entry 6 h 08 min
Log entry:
9 h 35 min
